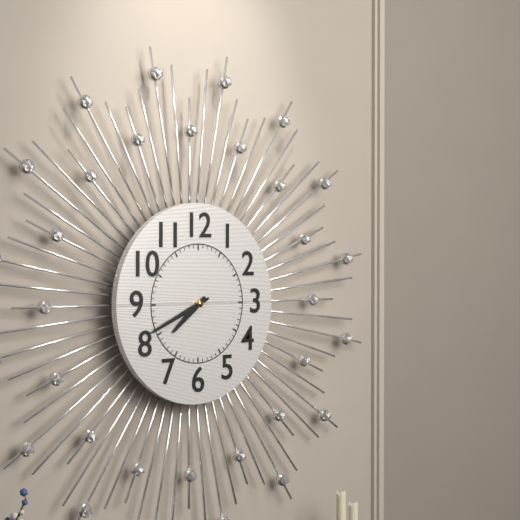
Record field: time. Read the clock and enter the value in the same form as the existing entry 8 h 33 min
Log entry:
7 h 41 min
